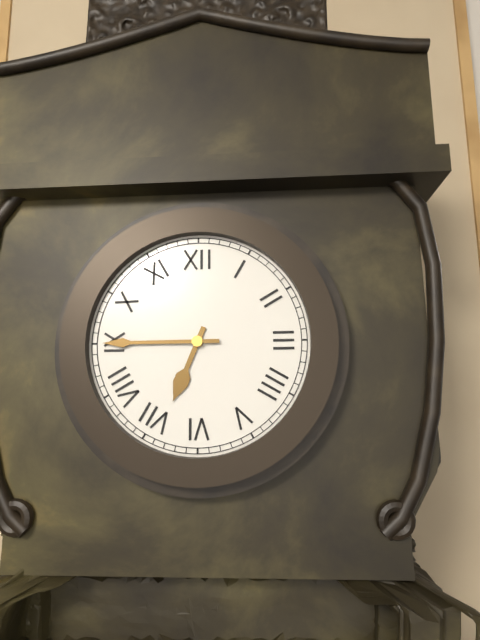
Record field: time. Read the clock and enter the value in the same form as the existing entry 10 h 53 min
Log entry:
6 h 45 min
